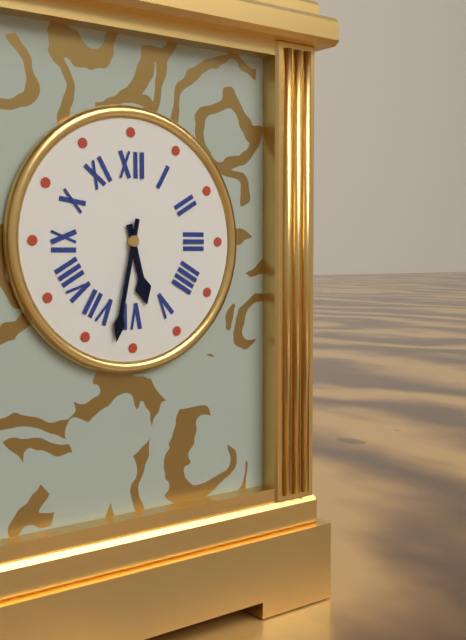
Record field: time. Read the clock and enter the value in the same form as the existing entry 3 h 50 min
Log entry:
5 h 32 min
